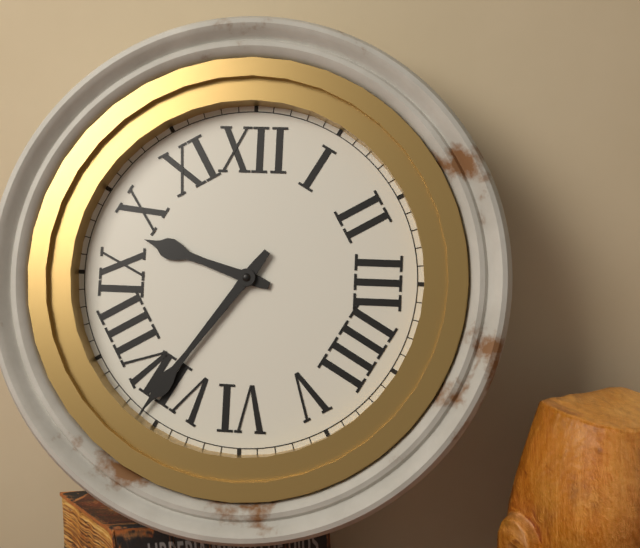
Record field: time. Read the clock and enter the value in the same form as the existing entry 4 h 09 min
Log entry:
9 h 36 min
